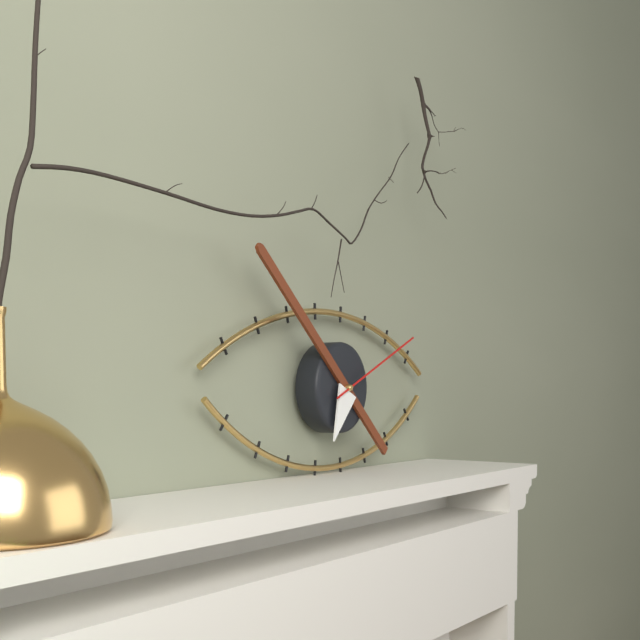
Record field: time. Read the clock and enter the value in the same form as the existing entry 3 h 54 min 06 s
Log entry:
6 h 52 min 11 s
